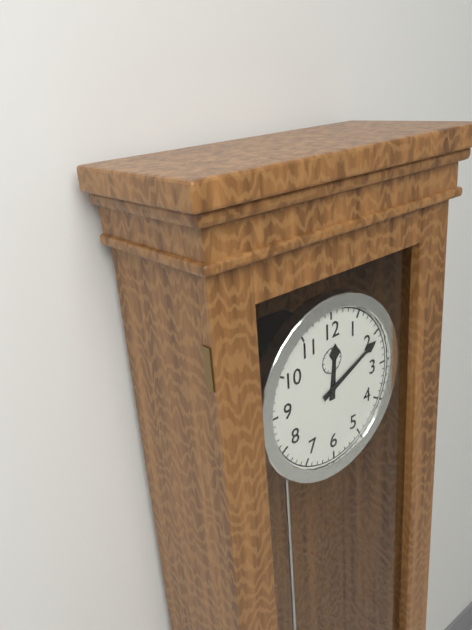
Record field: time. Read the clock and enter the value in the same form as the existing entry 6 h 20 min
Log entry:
12 h 11 min
